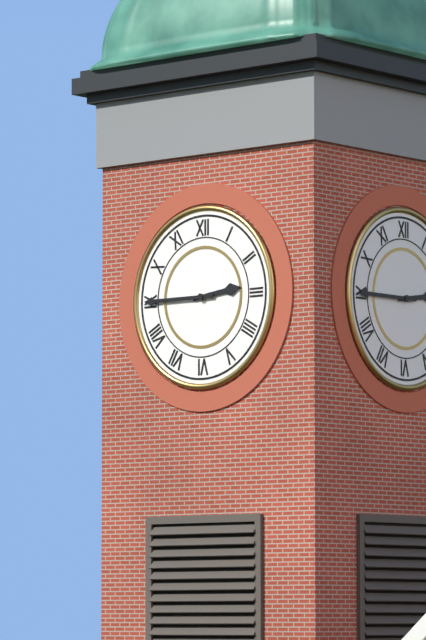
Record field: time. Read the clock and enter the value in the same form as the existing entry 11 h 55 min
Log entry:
2 h 45 min
